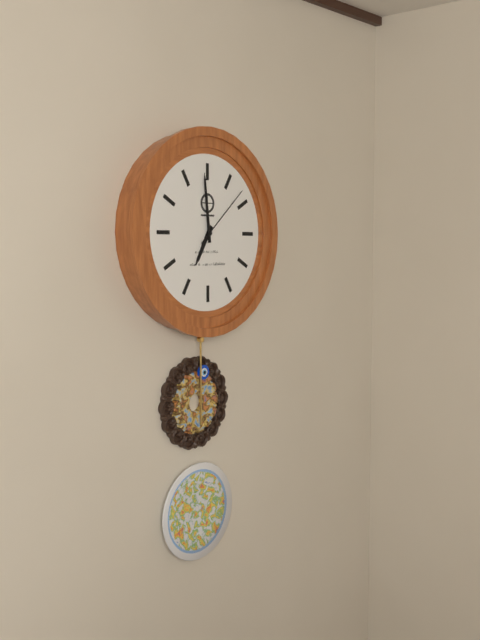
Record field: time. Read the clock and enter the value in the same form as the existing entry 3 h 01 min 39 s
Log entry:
6 h 59 min 08 s
